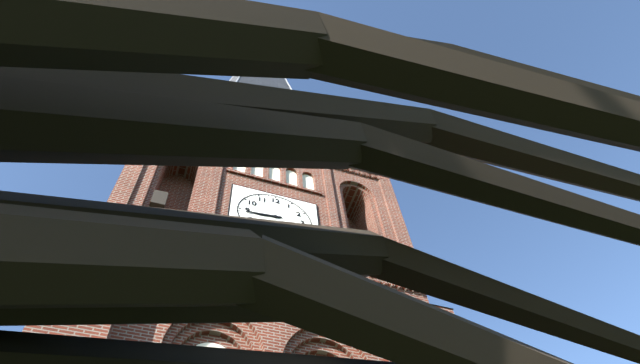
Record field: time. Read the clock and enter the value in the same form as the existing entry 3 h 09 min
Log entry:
8 h 44 min
